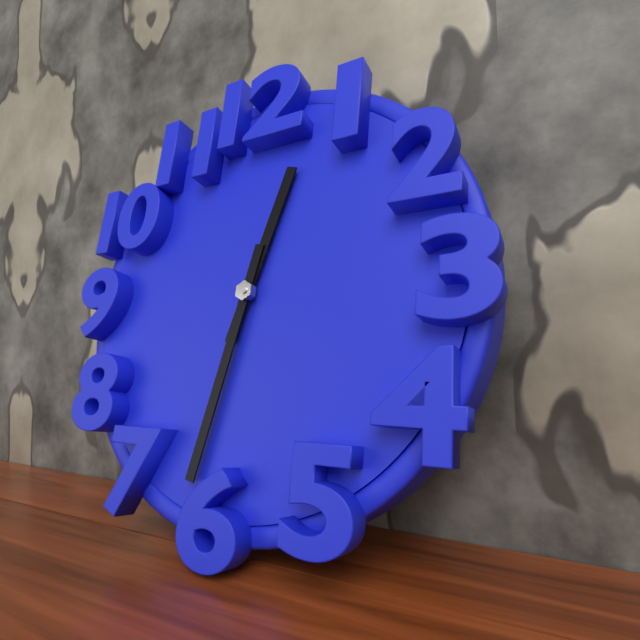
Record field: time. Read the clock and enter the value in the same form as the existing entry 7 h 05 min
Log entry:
12 h 32 min
